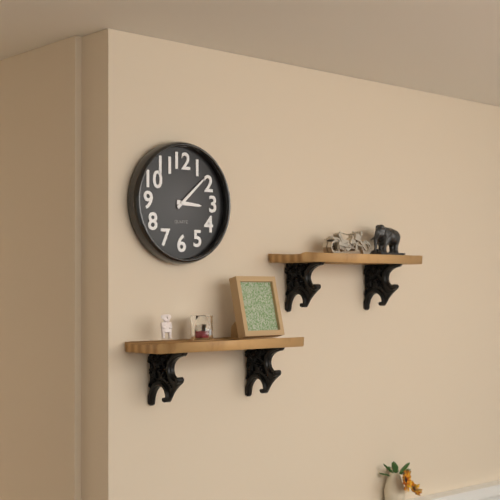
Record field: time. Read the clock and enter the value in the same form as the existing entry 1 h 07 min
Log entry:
3 h 08 min
